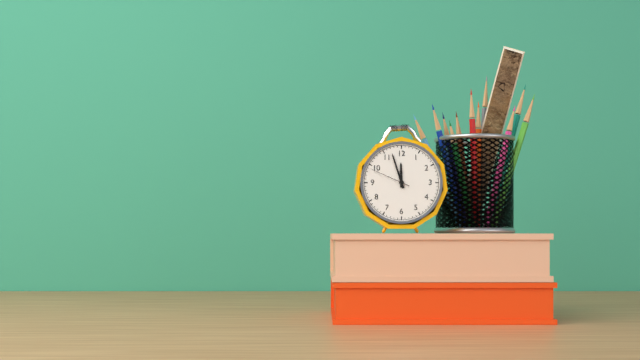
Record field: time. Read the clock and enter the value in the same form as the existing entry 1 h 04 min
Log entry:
11 h 57 min
